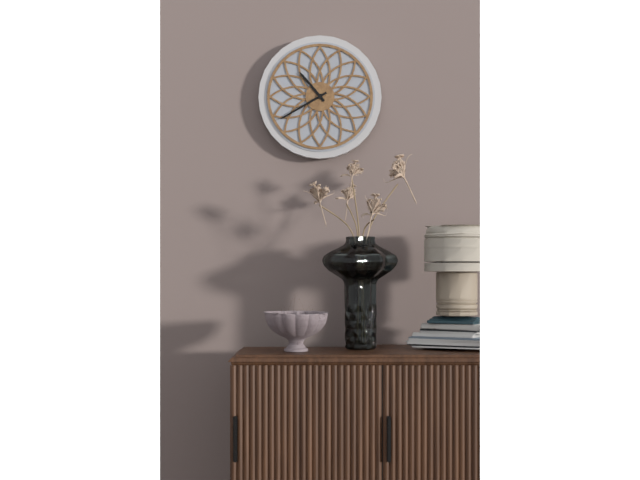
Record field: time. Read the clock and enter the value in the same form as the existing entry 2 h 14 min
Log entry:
10 h 40 min
